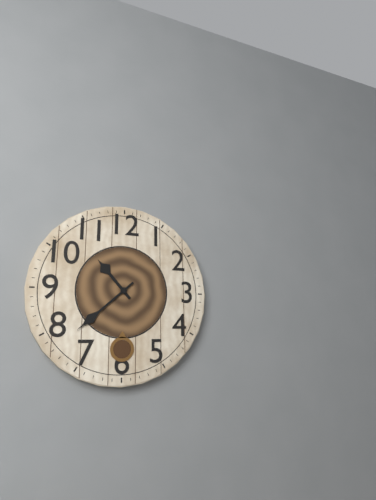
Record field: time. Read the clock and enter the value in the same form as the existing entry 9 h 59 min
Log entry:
10 h 38 min
